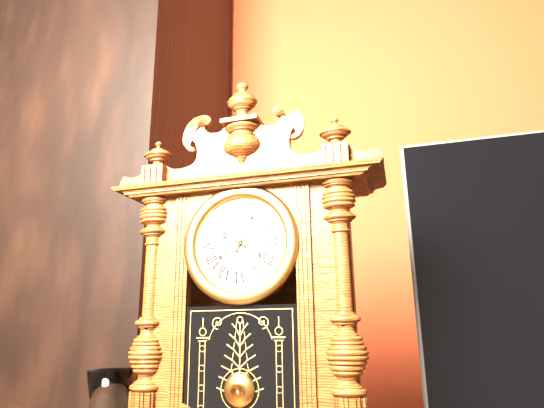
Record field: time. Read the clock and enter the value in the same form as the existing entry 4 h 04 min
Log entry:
10 h 04 min
